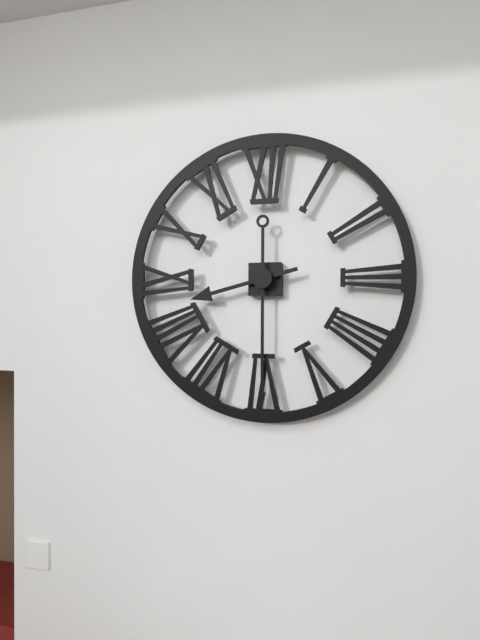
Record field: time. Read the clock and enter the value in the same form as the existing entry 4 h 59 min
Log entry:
8 h 30 min
